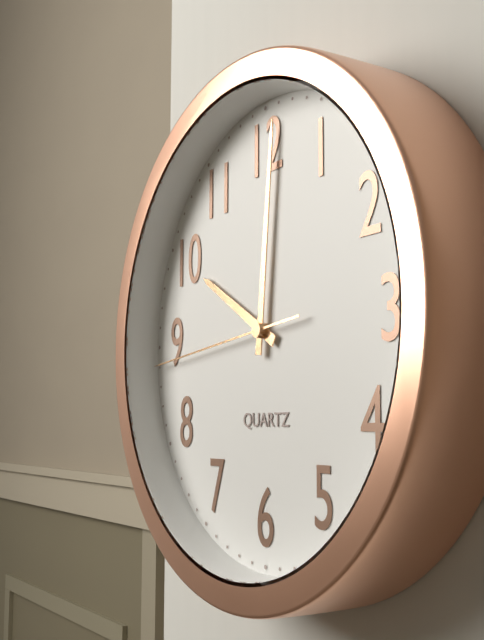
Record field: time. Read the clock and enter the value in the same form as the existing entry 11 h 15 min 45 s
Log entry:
10 h 01 min 44 s
